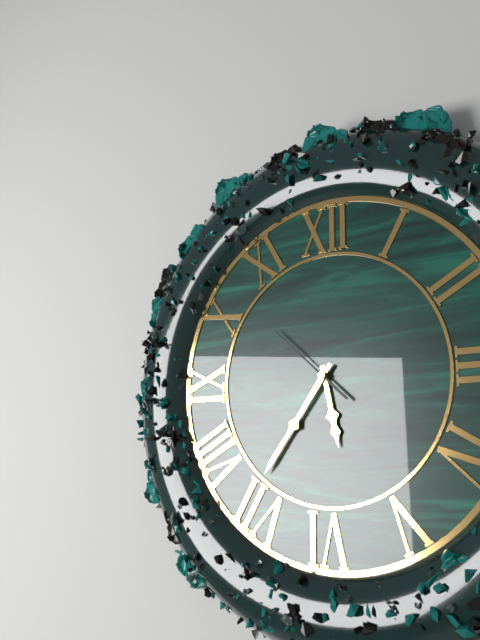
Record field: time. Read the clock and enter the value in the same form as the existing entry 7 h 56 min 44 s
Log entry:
5 h 36 min 52 s
